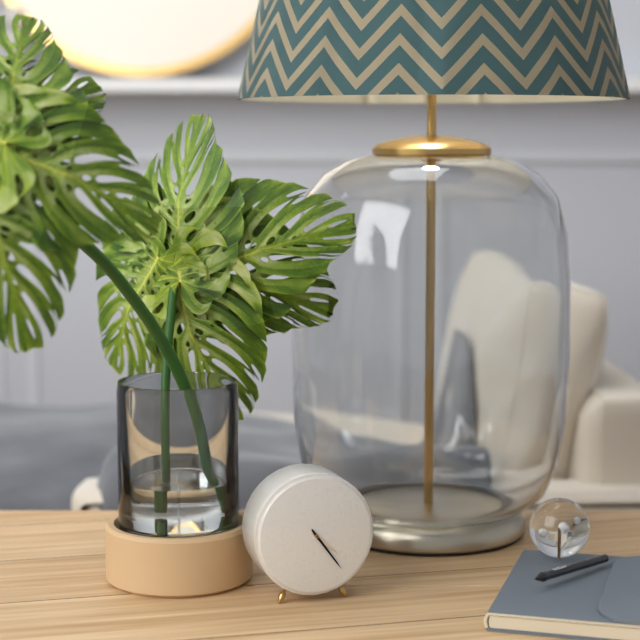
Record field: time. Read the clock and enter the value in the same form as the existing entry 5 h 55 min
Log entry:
4 h 24 min
